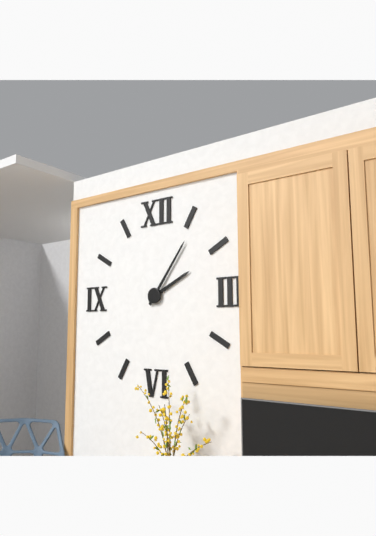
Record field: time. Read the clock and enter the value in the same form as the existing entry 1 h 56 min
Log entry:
2 h 06 min
